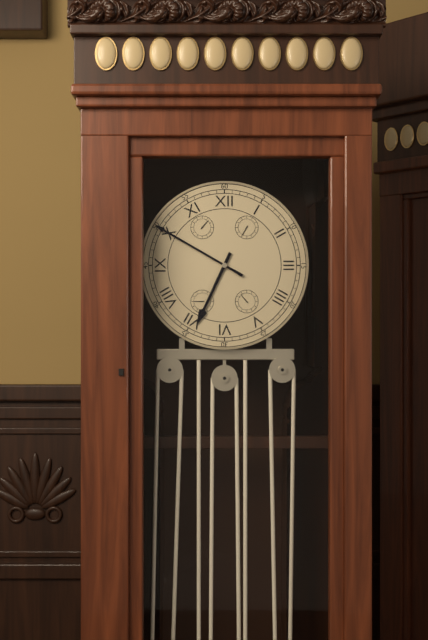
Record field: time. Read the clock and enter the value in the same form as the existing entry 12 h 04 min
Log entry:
6 h 50 min
